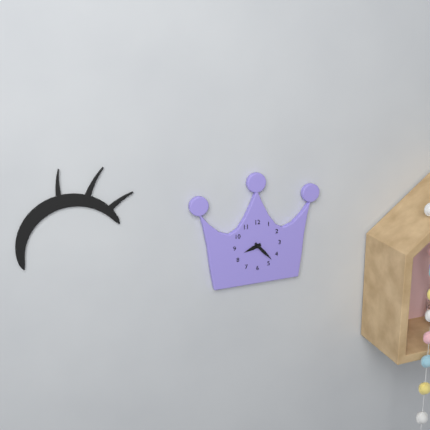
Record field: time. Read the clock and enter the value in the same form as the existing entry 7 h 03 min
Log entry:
8 h 23 min
